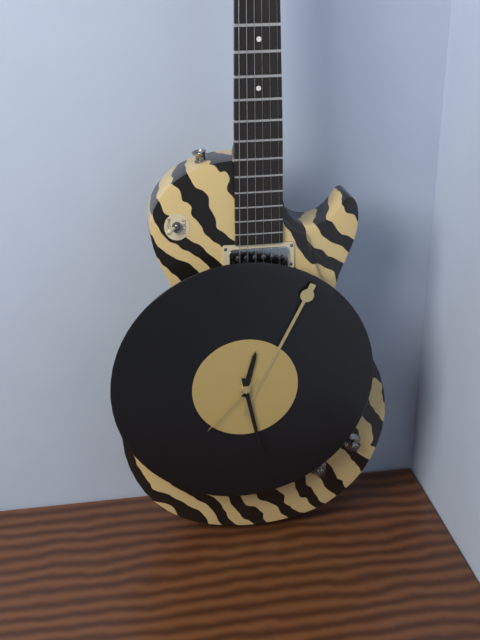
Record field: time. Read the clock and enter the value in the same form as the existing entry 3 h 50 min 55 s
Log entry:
12 h 28 min 37 s
